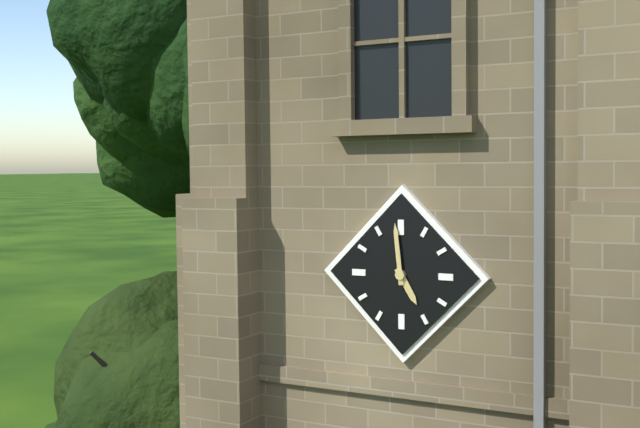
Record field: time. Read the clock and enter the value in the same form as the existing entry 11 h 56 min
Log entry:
4 h 59 min
